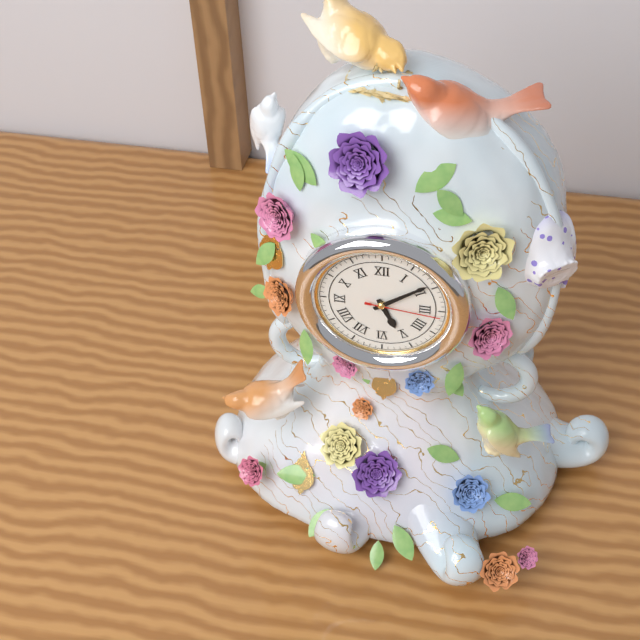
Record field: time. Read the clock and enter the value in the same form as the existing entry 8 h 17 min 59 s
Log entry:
5 h 09 min 16 s
